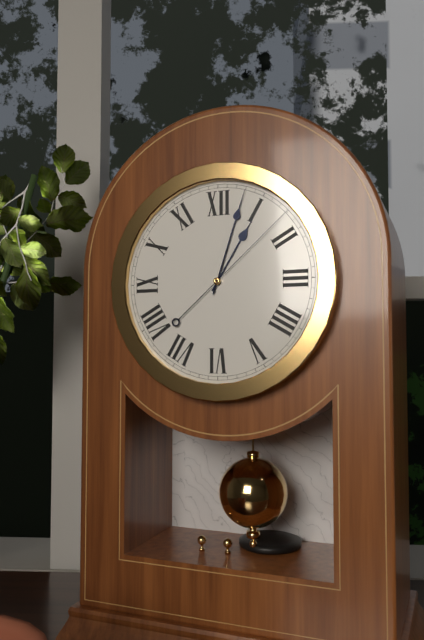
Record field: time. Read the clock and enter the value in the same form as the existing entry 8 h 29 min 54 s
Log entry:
1 h 03 min 08 s
